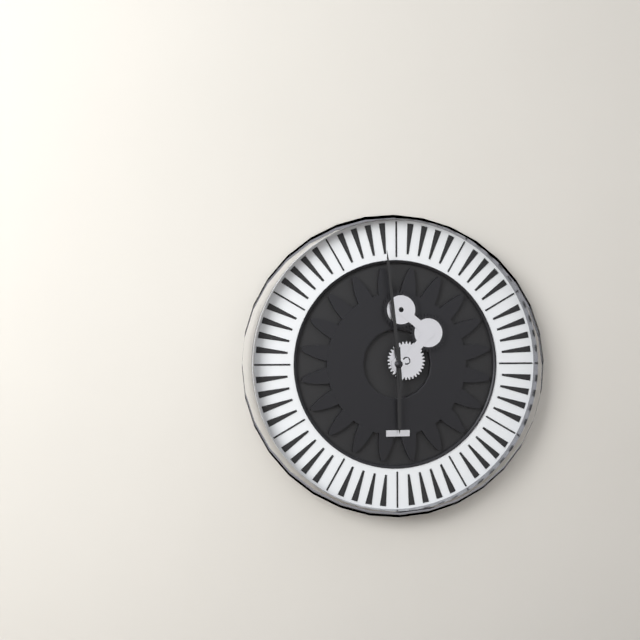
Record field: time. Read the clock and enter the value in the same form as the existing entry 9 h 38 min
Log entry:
5 h 59 min
